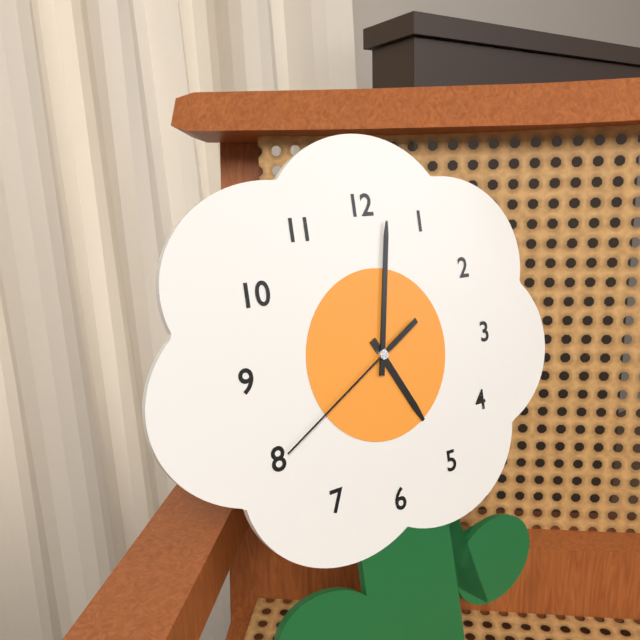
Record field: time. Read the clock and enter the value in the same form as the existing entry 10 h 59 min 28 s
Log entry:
5 h 02 min 40 s
